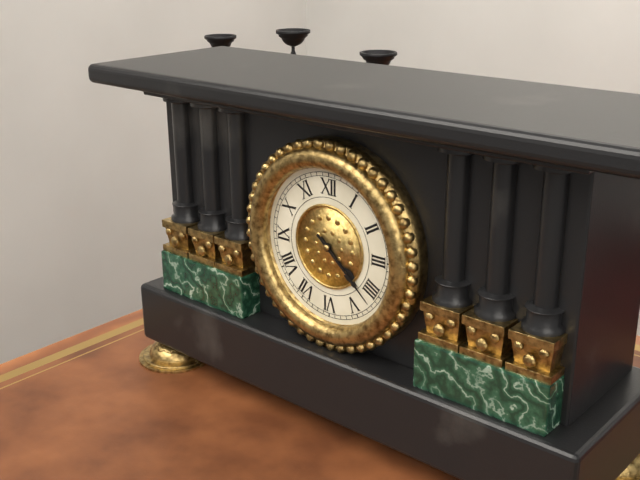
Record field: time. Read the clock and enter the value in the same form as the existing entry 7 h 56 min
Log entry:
4 h 22 min
